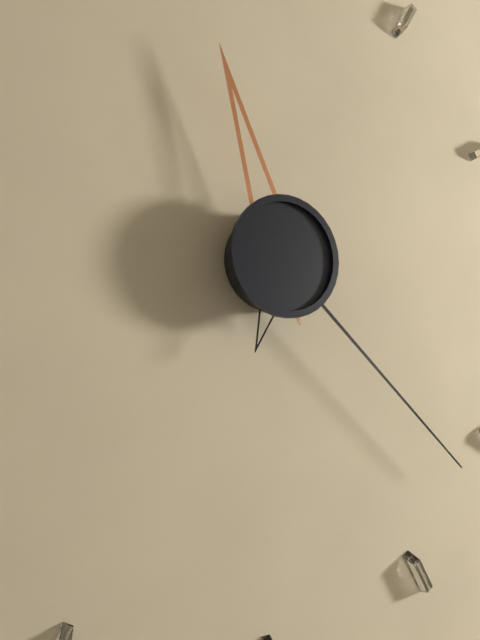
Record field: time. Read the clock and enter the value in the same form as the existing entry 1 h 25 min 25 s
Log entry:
11 h 22 min 33 s
